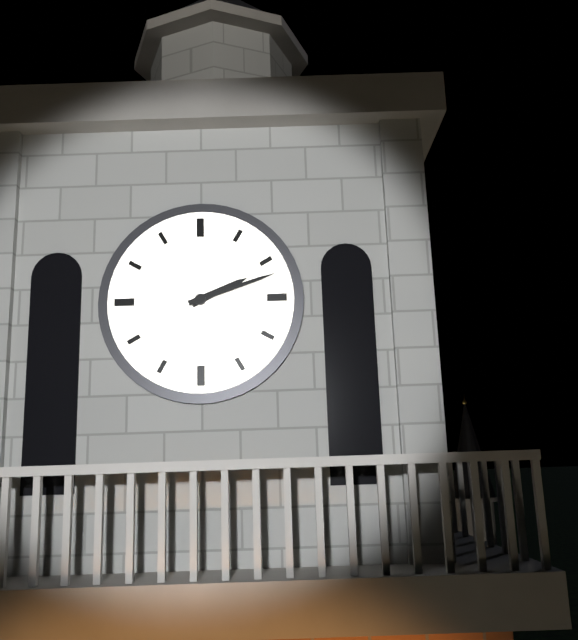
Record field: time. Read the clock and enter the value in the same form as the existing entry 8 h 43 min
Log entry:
2 h 12 min
